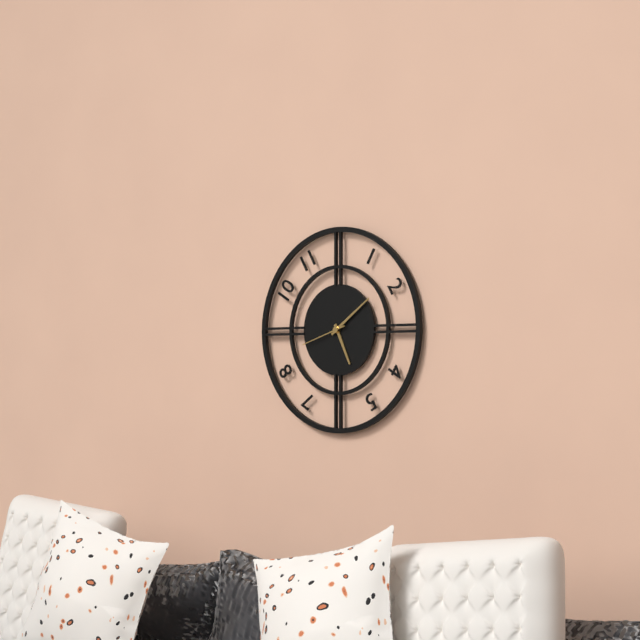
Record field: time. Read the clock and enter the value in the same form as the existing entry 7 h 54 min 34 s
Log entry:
5 h 09 min 42 s
